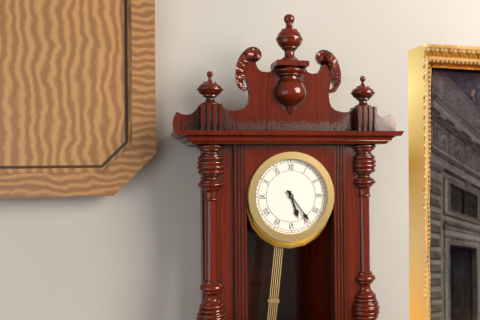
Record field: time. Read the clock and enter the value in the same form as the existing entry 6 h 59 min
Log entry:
5 h 24 min
